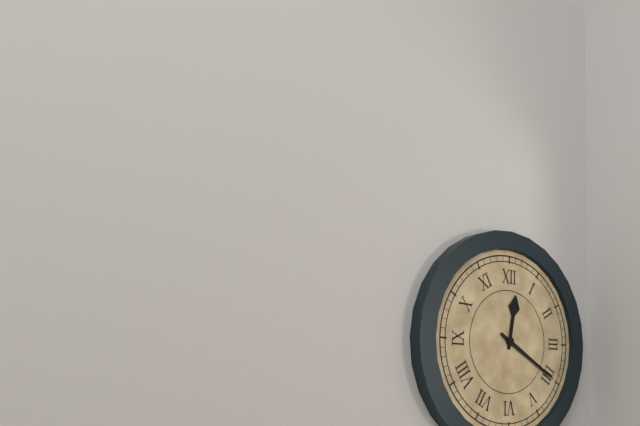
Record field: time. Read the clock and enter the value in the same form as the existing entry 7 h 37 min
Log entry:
12 h 20 min
